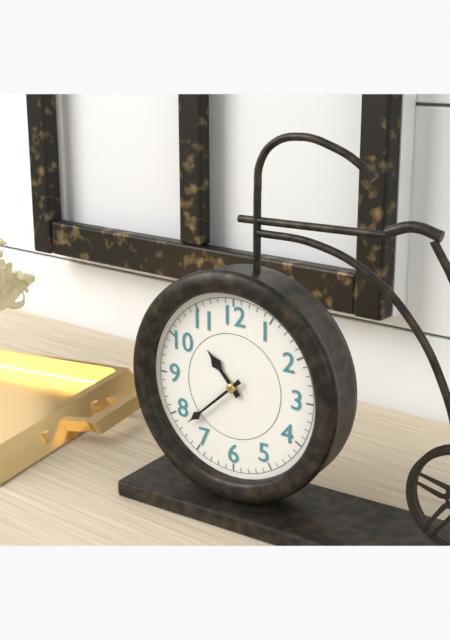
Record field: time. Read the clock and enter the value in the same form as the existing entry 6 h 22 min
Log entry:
10 h 38 min
